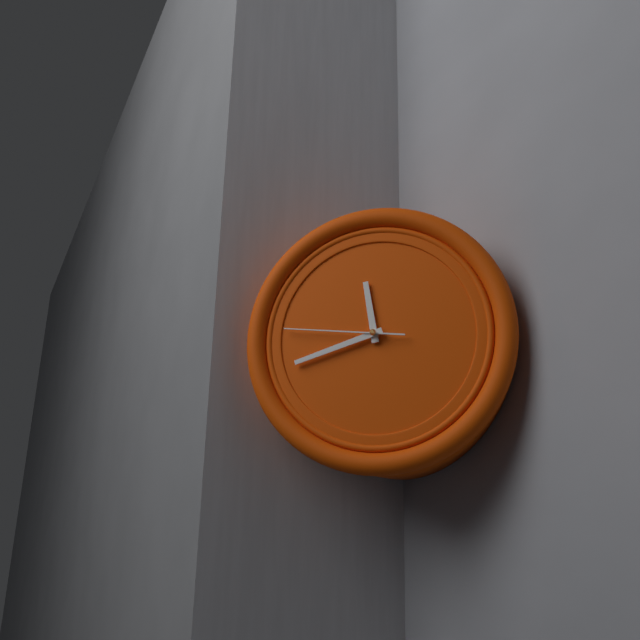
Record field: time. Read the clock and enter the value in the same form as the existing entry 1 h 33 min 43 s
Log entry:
11 h 42 min 46 s
